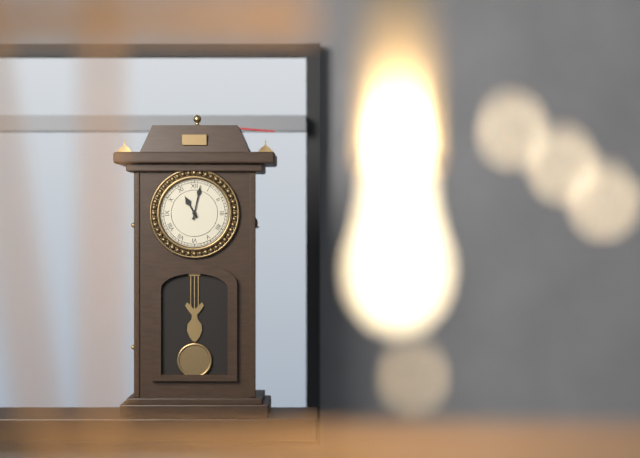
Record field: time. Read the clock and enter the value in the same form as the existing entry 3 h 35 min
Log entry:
11 h 02 min
